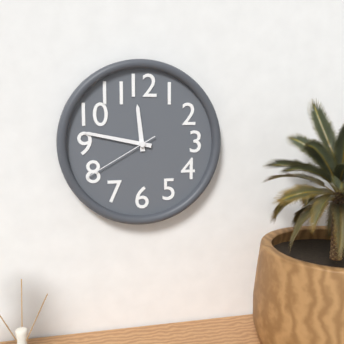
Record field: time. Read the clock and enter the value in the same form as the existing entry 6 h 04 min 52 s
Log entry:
11 h 47 min 40 s
